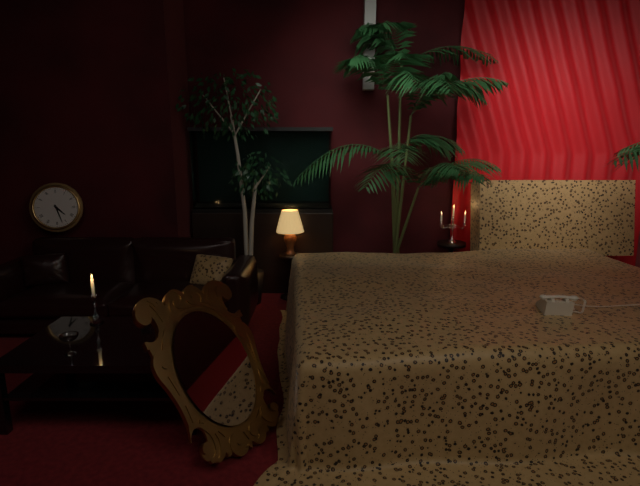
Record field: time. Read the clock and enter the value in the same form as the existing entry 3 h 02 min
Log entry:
4 h 27 min
